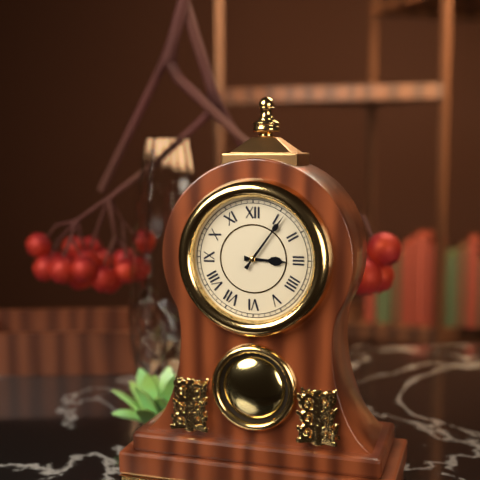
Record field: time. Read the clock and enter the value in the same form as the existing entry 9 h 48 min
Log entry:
3 h 06 min
